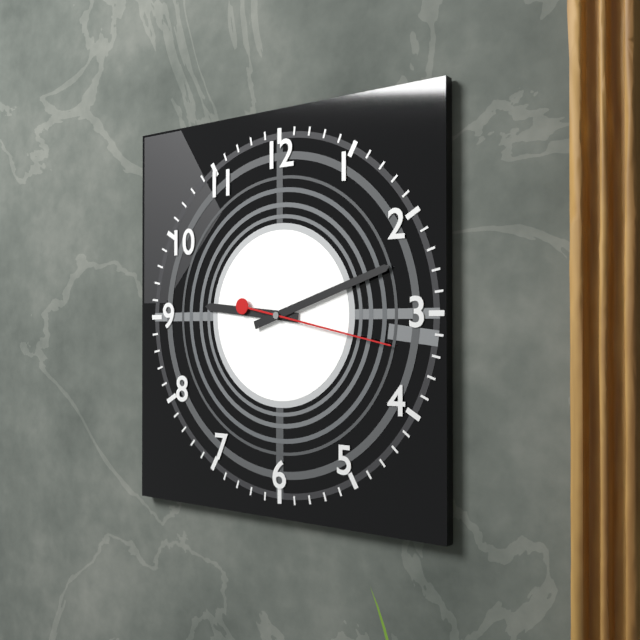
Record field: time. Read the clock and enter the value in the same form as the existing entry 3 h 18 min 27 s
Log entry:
9 h 12 min 17 s
